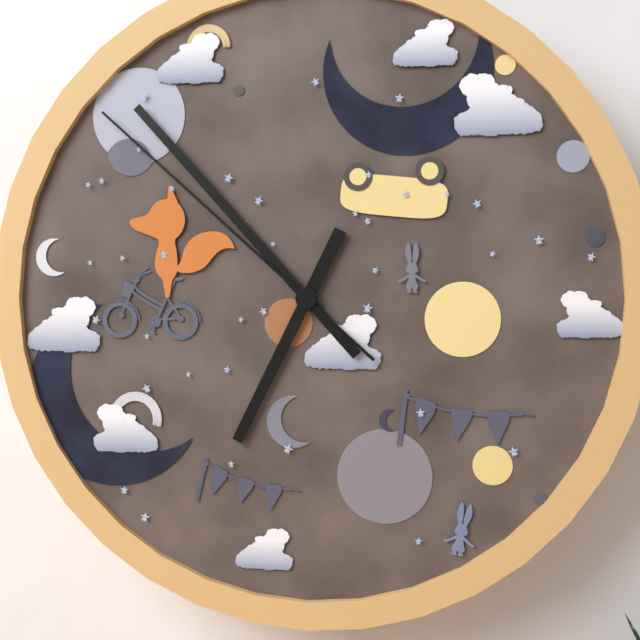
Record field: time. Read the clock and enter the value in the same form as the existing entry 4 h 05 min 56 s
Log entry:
6 h 53 min 52 s
